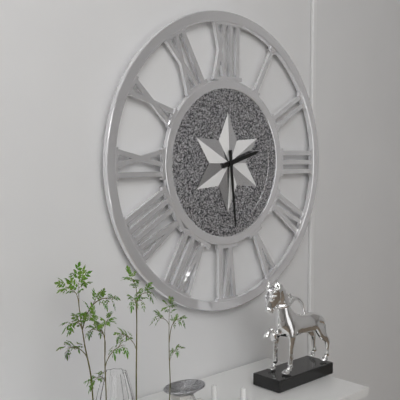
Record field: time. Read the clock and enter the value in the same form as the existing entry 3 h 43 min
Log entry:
2 h 29 min
